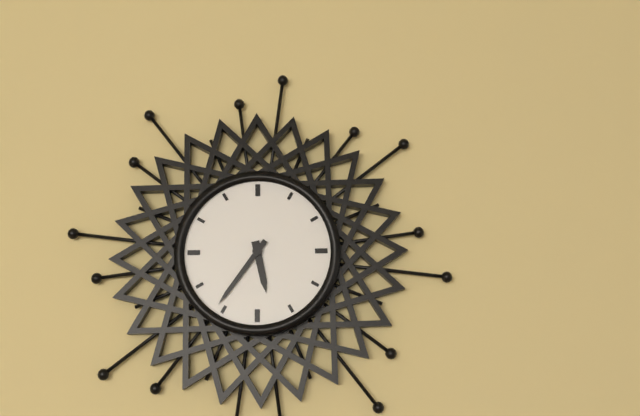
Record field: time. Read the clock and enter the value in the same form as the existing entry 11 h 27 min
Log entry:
5 h 36 min
